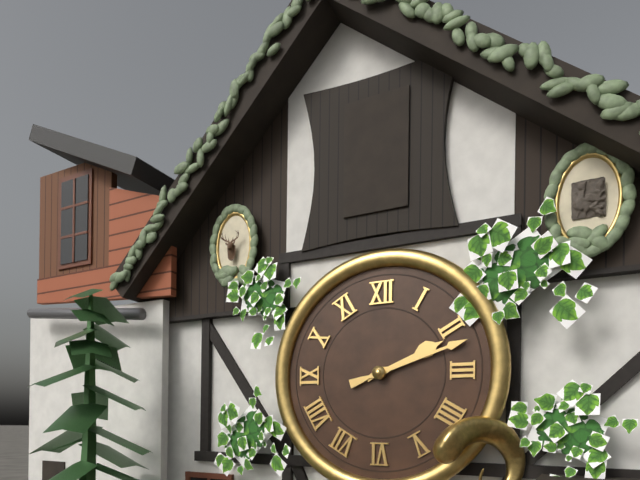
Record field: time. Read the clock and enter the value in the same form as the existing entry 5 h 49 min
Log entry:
2 h 12 min
